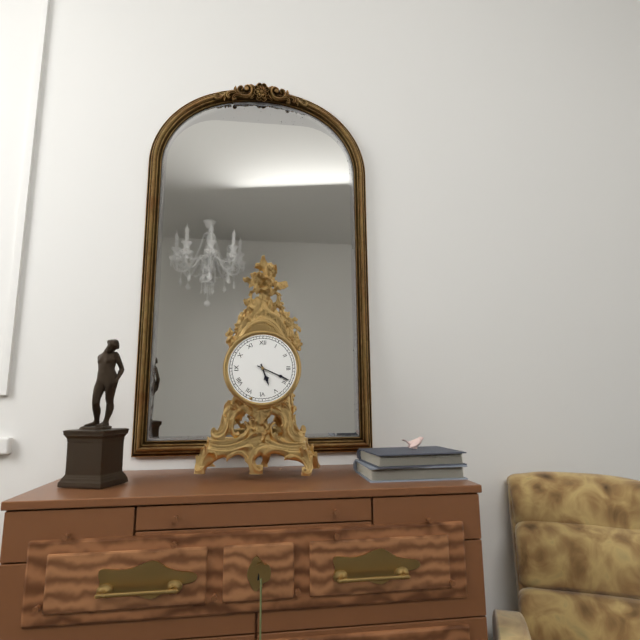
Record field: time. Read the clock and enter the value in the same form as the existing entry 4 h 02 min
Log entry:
5 h 19 min
